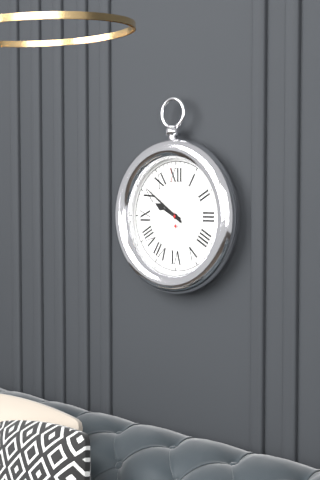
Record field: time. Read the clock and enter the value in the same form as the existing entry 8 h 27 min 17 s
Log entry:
9 h 51 min 59 s
